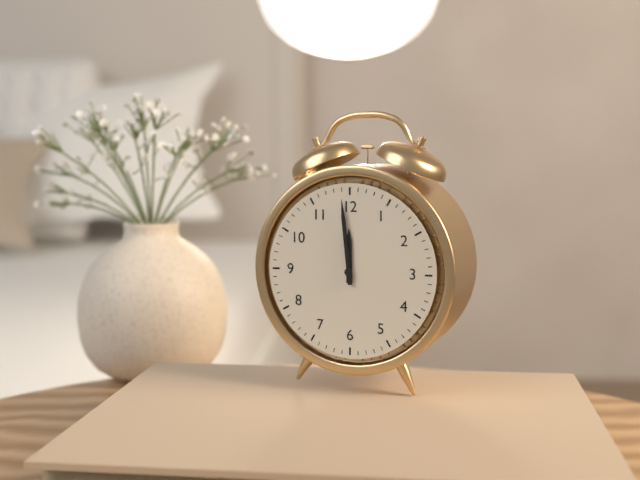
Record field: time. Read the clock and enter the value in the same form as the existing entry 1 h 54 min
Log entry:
11 h 59 min
